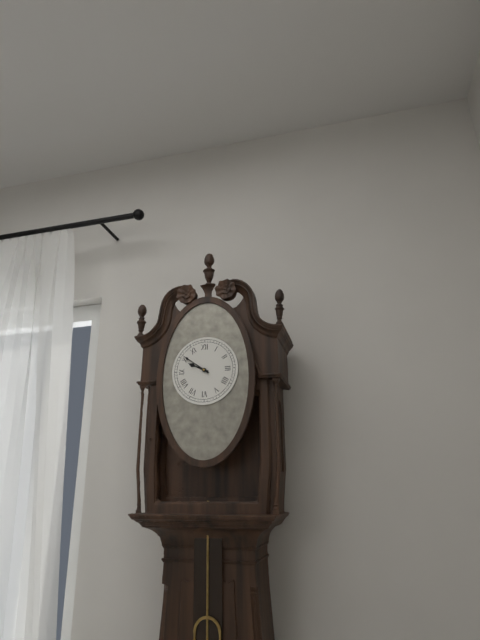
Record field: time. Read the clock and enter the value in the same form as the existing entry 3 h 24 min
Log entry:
9 h 51 min
